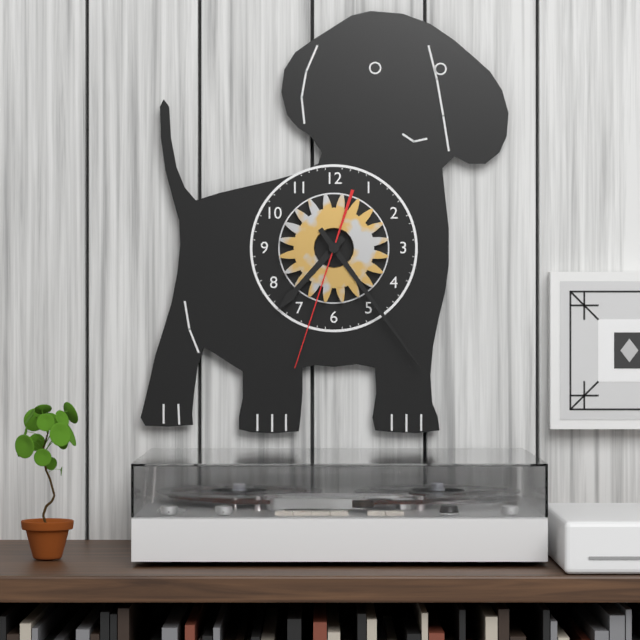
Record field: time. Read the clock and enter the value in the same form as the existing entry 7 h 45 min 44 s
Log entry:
7 h 24 min 33 s
